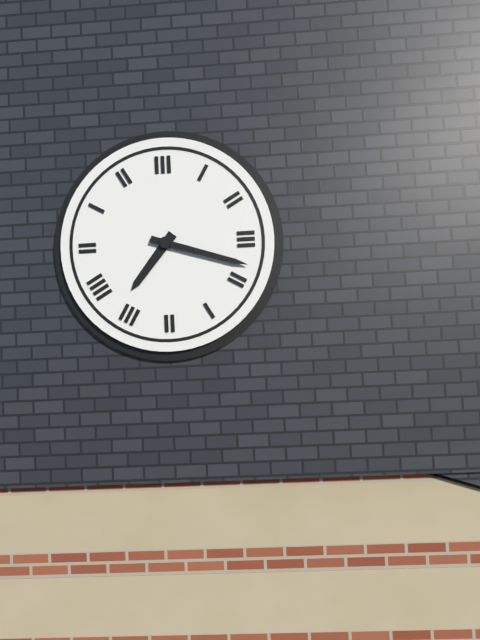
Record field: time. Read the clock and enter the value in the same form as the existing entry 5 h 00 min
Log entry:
7 h 18 min
